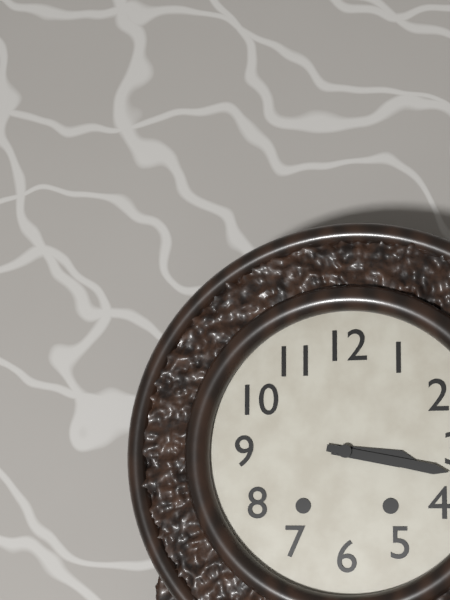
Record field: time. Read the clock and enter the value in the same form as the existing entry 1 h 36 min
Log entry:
3 h 17 min
